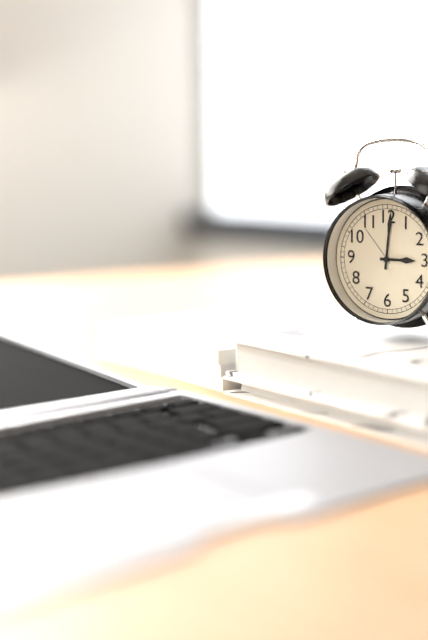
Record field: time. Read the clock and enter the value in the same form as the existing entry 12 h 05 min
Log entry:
3 h 01 min
